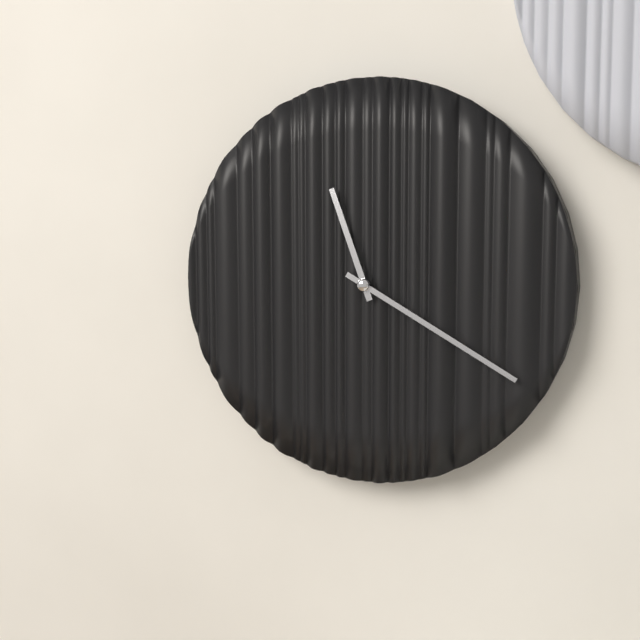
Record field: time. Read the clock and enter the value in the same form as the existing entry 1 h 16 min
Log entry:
11 h 20 min
